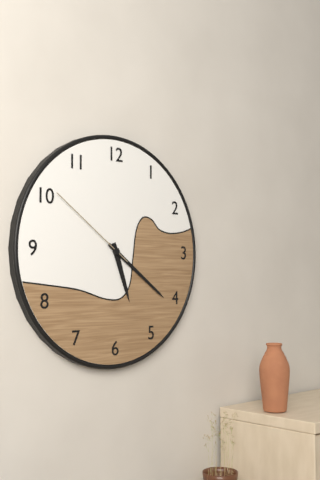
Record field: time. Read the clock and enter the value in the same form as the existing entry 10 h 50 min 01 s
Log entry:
5 h 21 min 51 s
